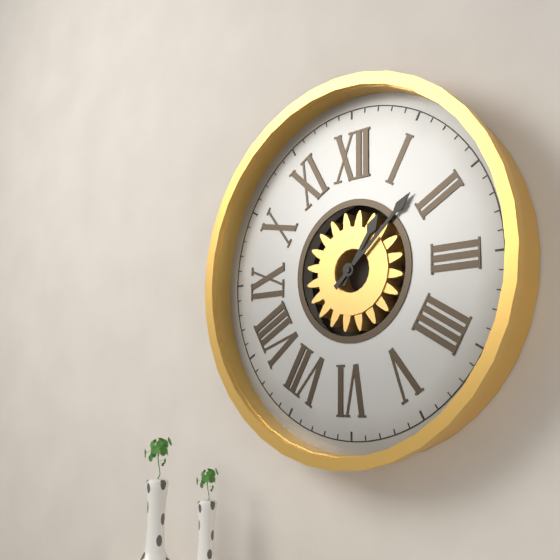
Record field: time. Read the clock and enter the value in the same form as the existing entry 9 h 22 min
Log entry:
1 h 08 min
